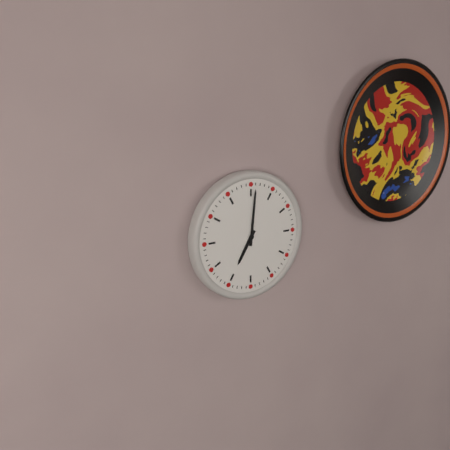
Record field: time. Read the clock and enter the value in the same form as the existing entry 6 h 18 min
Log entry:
7 h 01 min
